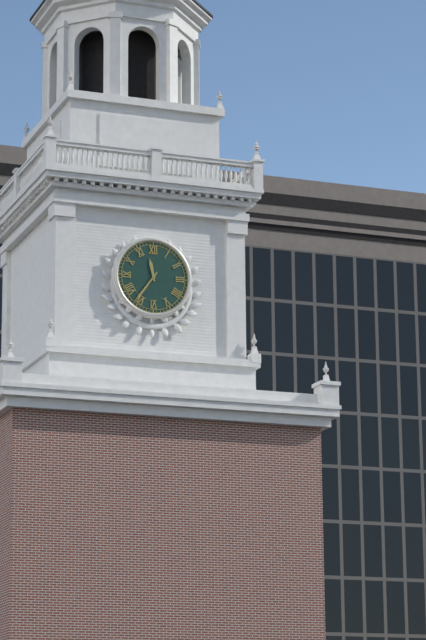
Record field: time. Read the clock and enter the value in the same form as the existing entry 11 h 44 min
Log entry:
11 h 36 min
